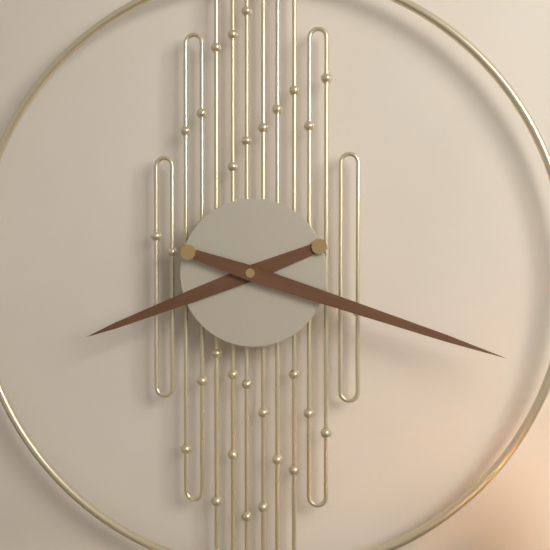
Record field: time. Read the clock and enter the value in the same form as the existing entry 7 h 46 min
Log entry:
8 h 18 min
